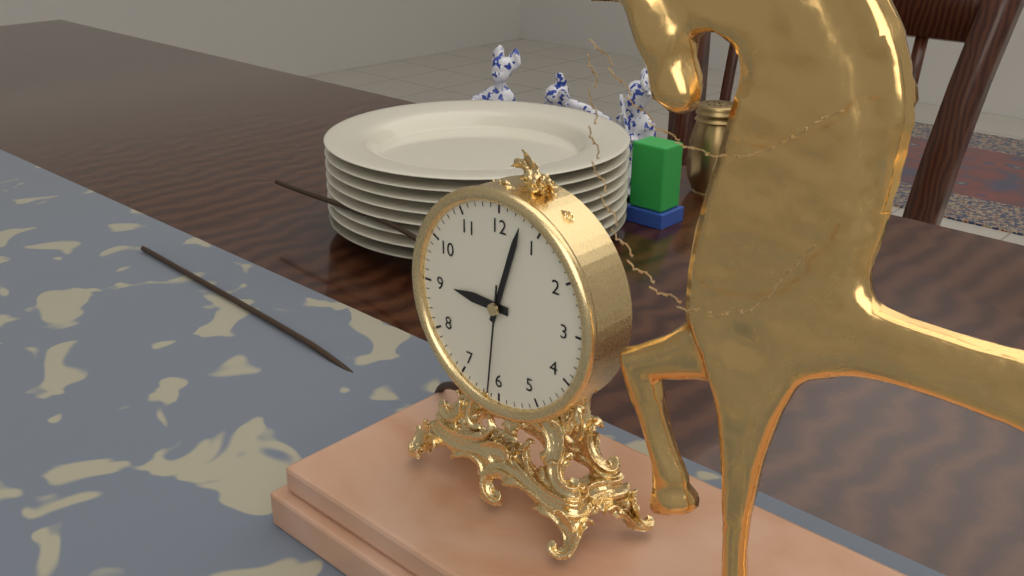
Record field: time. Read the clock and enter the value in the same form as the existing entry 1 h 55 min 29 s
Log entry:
9 h 03 min 31 s
